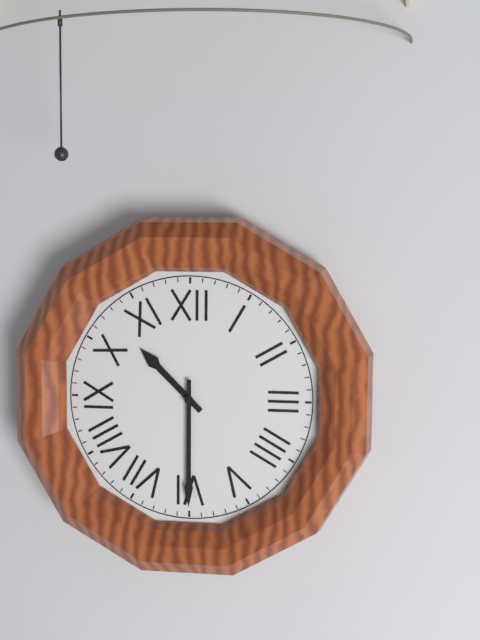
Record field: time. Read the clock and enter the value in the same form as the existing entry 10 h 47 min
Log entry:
10 h 30 min
